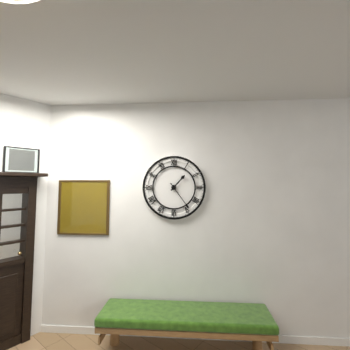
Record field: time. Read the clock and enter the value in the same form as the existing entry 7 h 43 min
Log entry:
1 h 24 min
